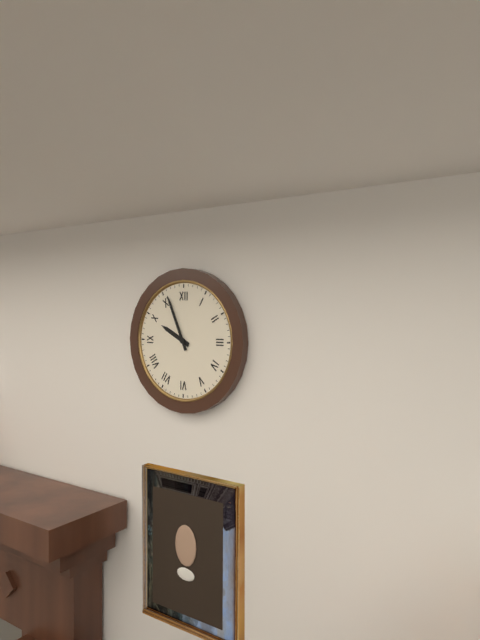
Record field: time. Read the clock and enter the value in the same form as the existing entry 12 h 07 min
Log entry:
9 h 56 min
